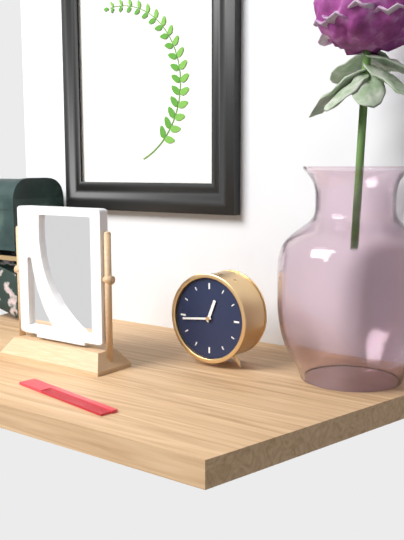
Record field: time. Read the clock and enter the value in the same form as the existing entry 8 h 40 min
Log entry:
12 h 44 min
